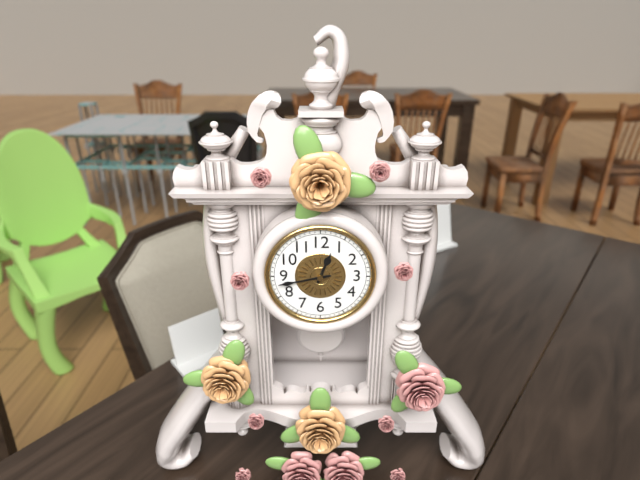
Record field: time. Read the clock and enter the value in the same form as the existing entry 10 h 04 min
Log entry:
12 h 43 min
